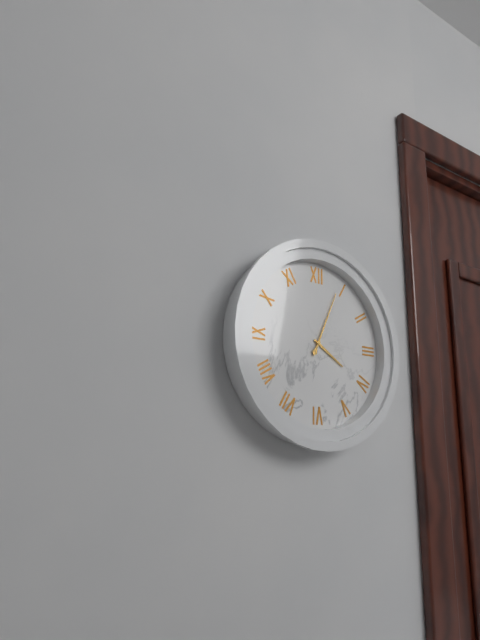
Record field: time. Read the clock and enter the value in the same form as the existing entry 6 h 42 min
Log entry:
4 h 04 min
